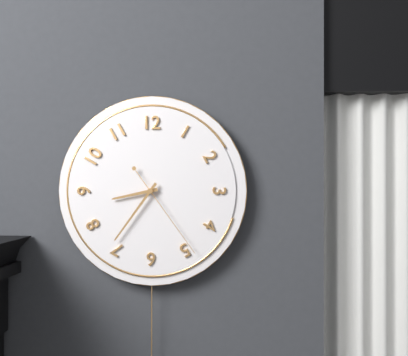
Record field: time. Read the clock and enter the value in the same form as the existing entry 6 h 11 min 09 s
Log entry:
8 h 36 min 24 s
